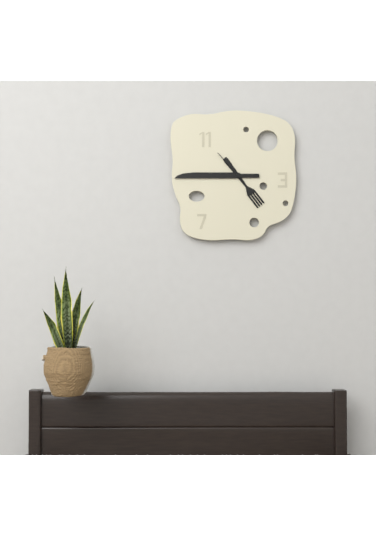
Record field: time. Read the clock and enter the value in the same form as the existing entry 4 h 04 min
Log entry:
4 h 45 min
